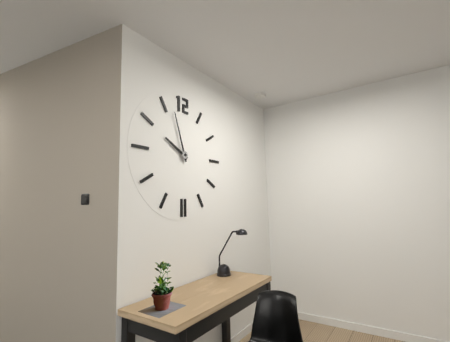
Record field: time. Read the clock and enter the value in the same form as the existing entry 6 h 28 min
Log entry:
9 h 57 min
